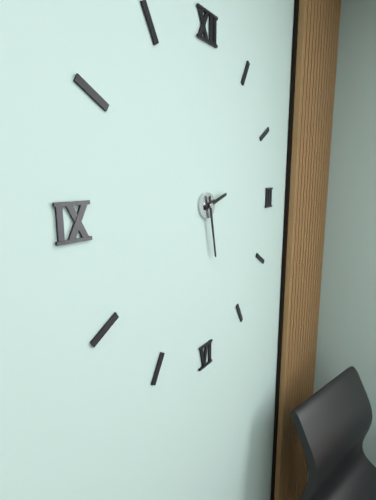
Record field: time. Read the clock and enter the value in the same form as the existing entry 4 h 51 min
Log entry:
2 h 28 min
